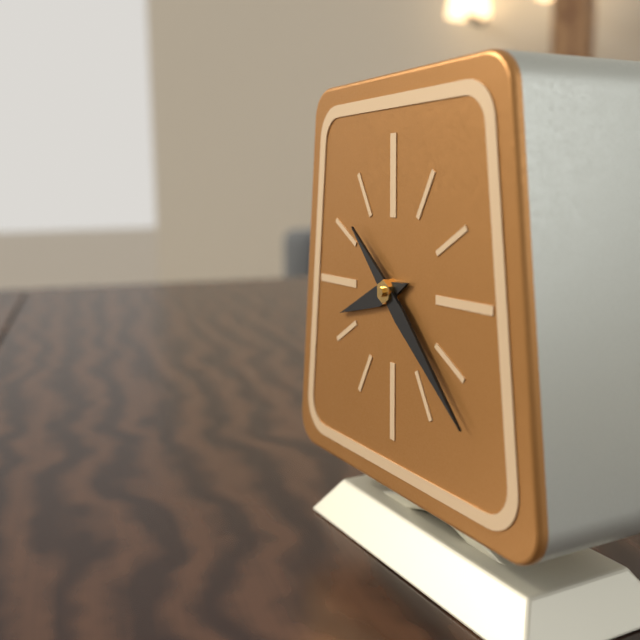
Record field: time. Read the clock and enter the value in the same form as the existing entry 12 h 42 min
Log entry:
8 h 22 min
